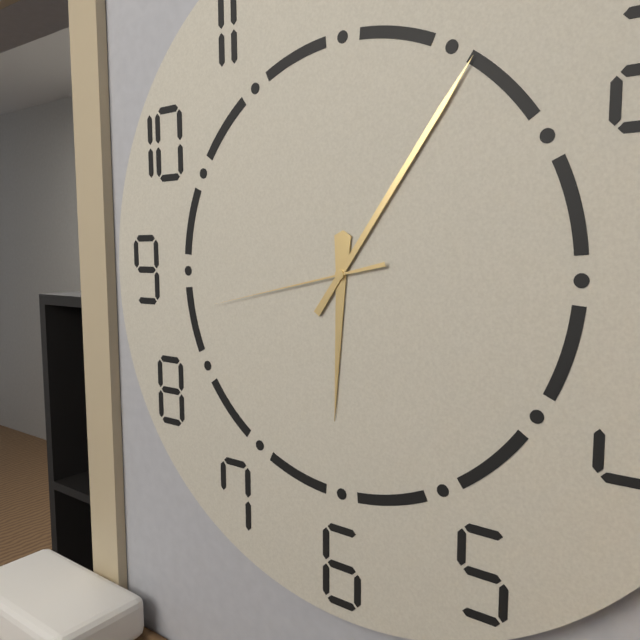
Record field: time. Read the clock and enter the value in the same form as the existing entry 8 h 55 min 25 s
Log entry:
6 h 06 min 43 s
